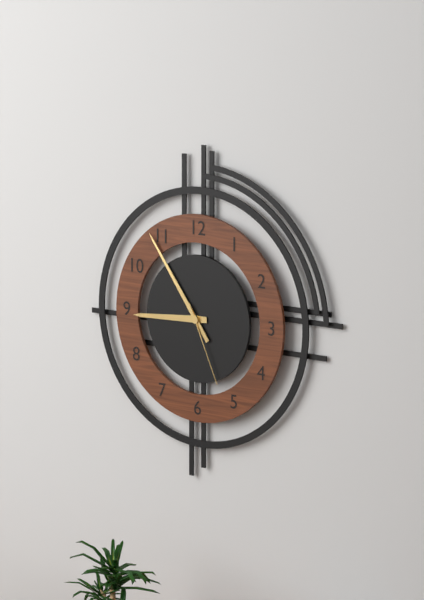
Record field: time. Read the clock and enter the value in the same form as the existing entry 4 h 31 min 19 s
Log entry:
8 h 54 min 26 s
